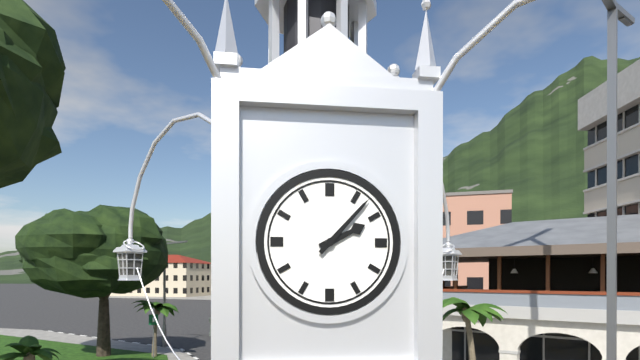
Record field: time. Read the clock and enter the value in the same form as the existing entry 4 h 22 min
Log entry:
2 h 07 min
